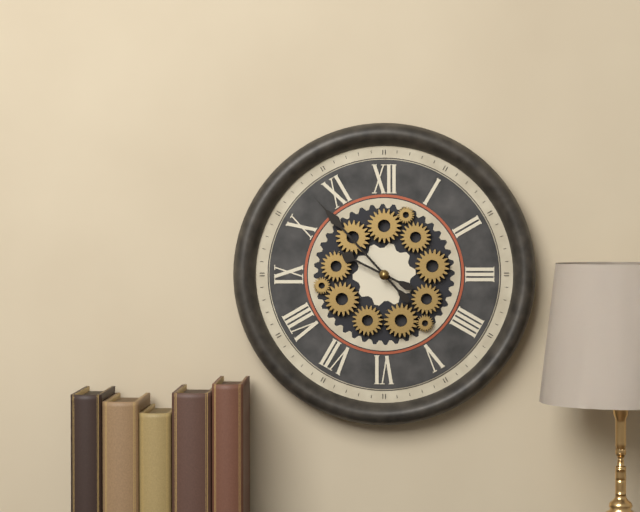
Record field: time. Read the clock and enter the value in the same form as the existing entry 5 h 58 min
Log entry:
9 h 53 min
